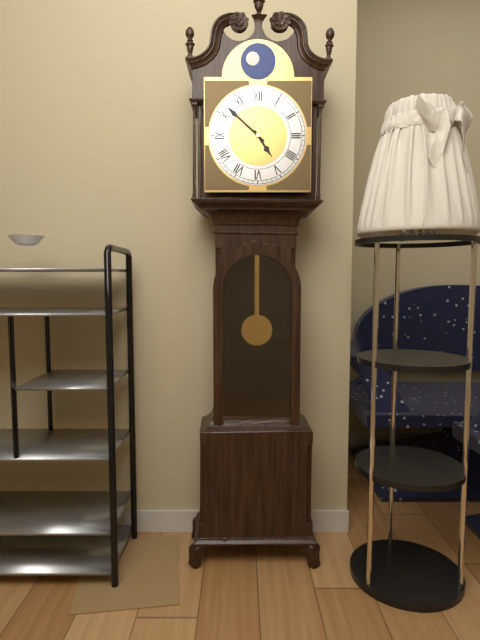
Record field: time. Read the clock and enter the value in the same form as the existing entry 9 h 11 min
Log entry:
4 h 52 min
